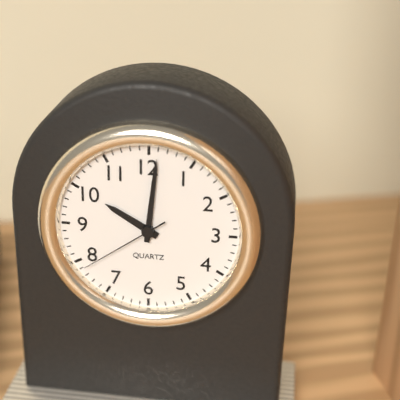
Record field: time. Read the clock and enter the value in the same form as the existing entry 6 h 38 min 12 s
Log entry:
10 h 01 min 39 s
